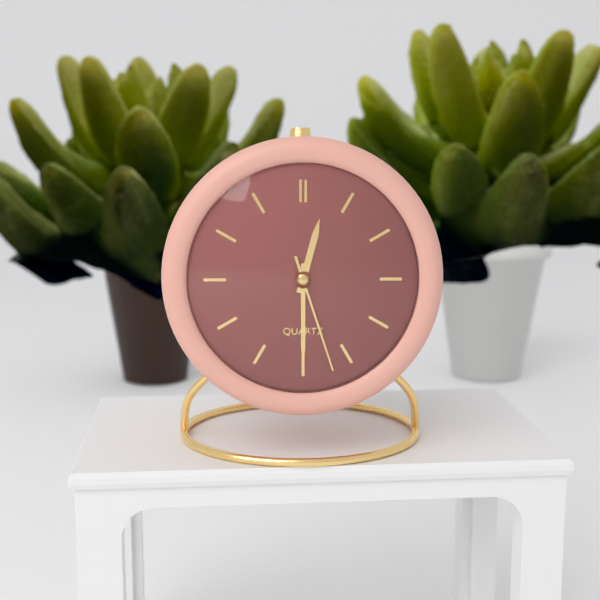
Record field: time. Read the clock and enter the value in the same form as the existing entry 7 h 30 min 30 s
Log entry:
12 h 30 min 27 s
